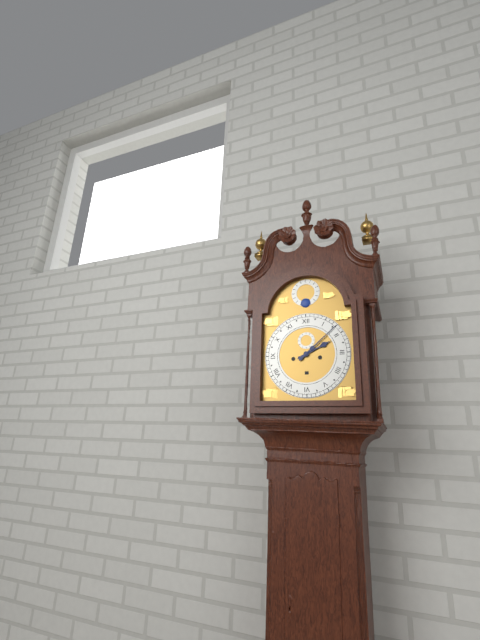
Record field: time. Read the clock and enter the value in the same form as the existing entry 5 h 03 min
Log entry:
2 h 08 min
